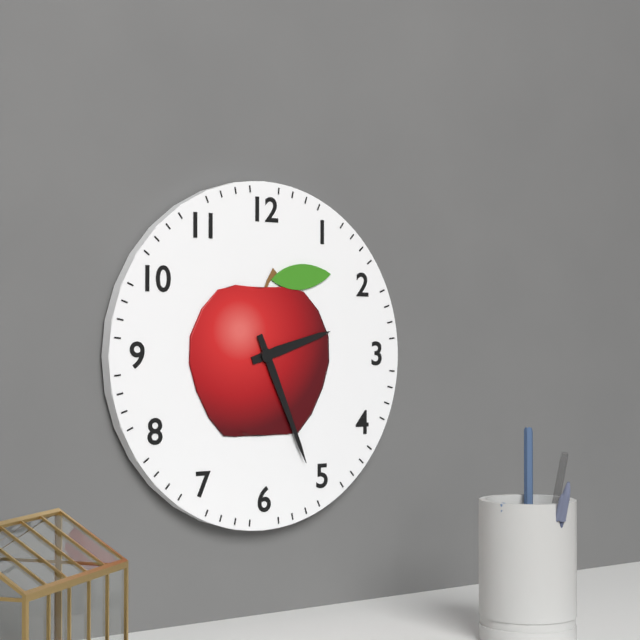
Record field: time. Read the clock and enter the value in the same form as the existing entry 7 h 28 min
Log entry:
2 h 26 min
